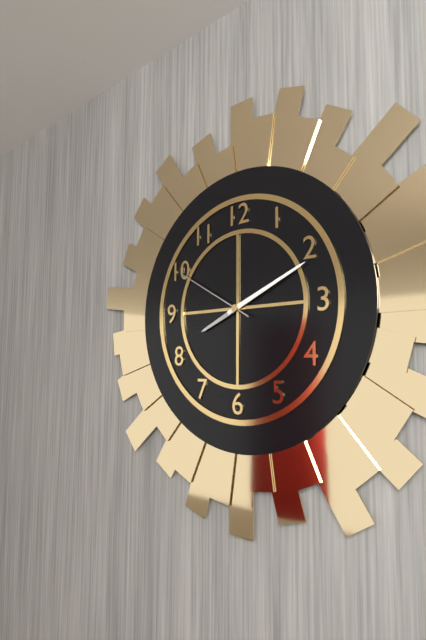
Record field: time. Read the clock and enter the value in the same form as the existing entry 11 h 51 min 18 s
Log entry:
8 h 11 min 50 s
